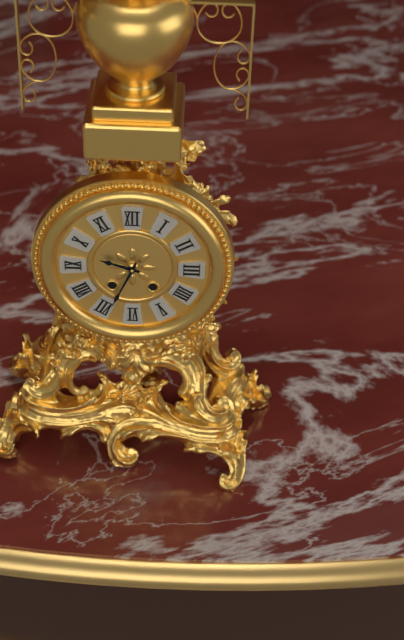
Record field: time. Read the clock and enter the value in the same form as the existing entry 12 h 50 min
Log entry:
9 h 34 min
